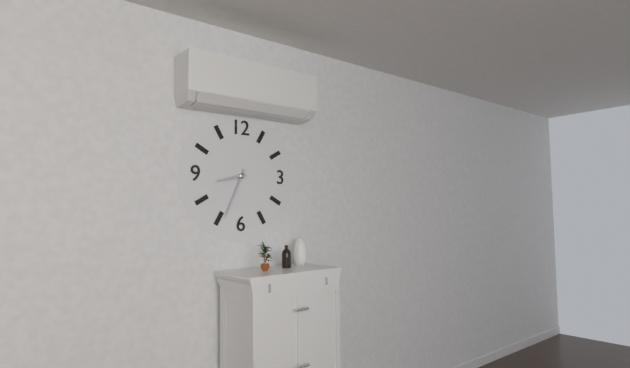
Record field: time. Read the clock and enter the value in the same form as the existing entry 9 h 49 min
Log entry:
8 h 34 min
